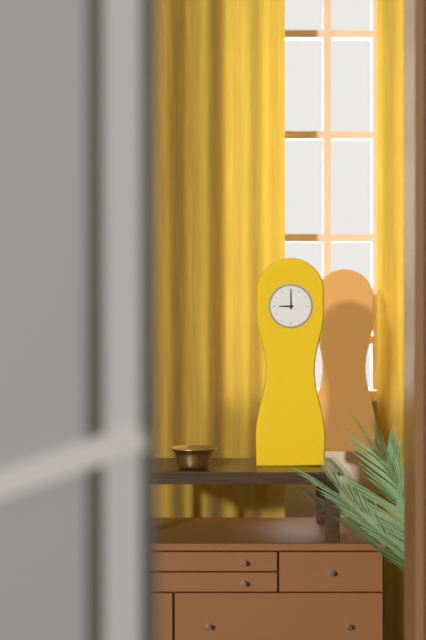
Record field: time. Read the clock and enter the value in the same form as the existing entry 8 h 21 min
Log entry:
9 h 00 min
